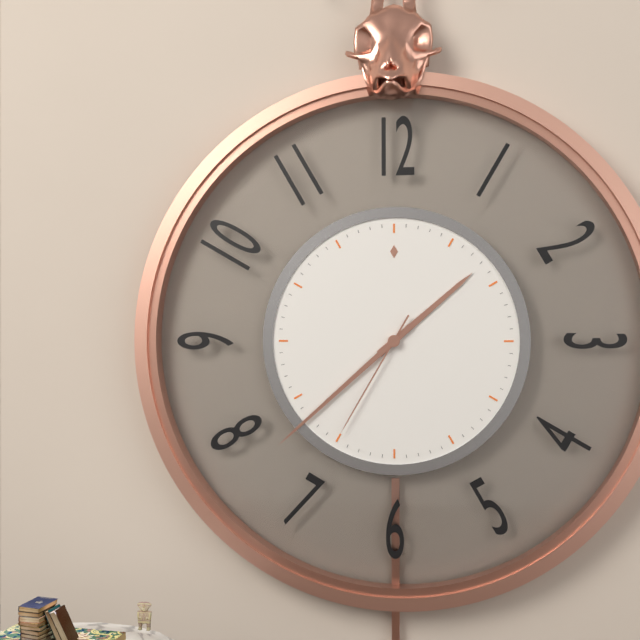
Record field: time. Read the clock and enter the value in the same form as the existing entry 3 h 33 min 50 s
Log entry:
1 h 38 min 35 s
